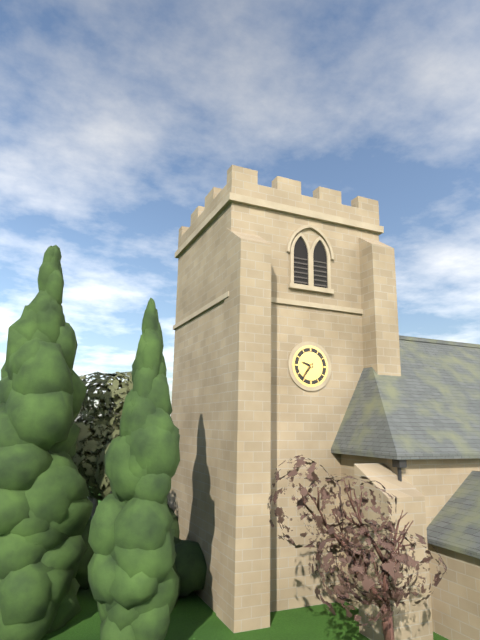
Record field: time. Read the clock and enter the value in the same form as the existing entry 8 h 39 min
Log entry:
9 h 36 min
